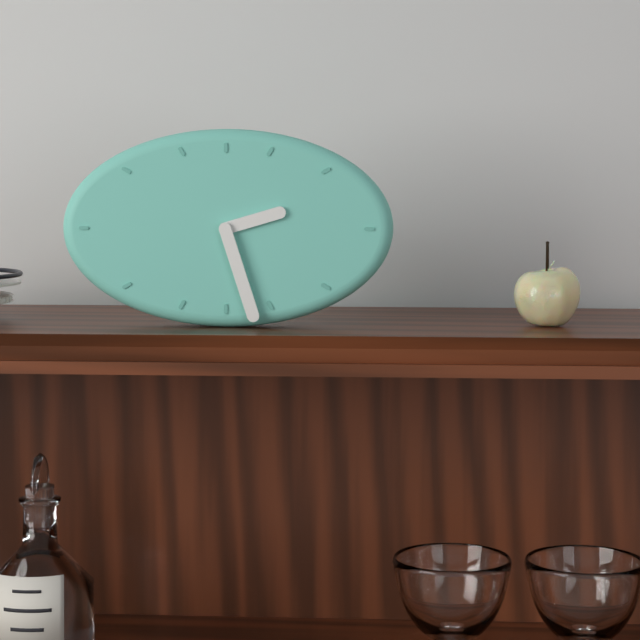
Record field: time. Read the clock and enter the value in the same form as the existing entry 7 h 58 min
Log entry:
2 h 27 min
